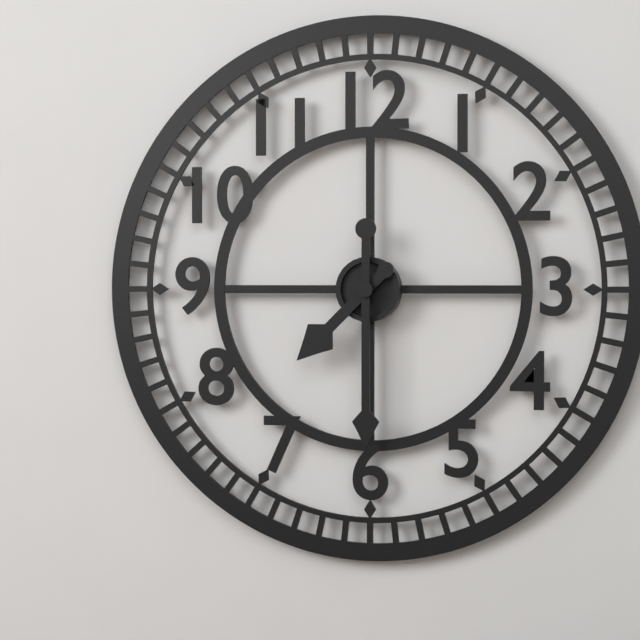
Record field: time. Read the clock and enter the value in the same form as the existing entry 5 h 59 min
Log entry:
7 h 30 min
